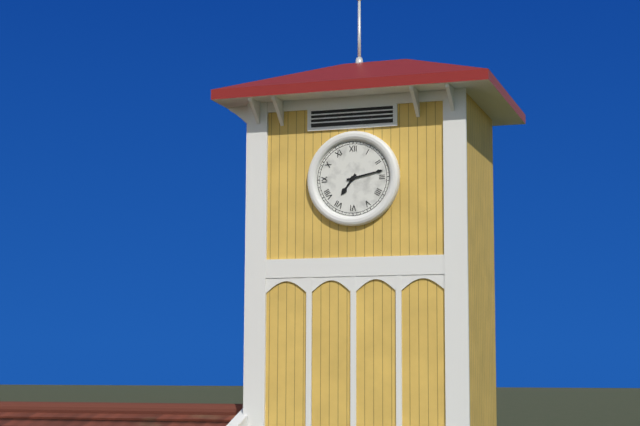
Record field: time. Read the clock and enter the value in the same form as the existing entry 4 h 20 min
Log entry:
7 h 13 min
